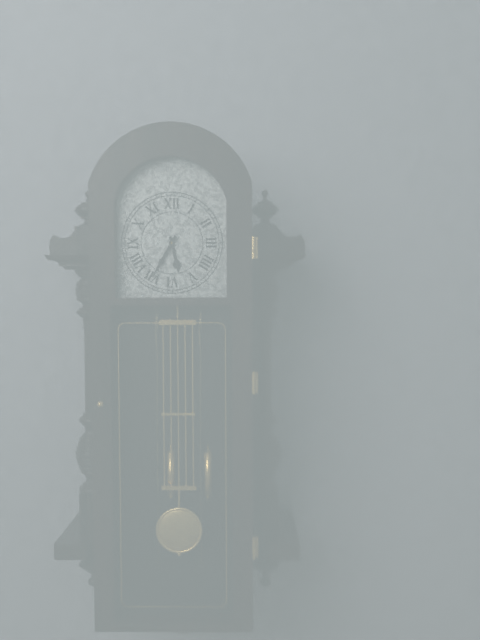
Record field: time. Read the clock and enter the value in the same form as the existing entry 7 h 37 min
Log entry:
5 h 35 min
